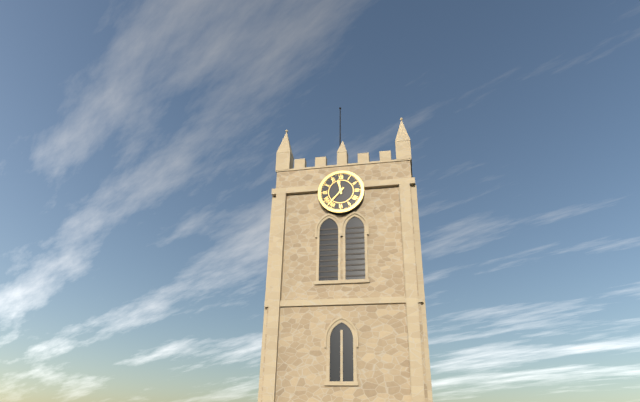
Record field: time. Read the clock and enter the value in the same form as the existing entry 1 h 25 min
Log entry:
11 h 37 min
